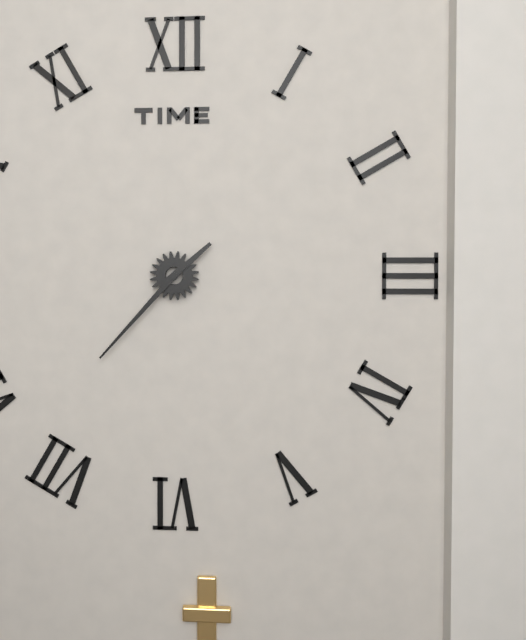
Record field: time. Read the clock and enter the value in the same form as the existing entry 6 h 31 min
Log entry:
1 h 37 min
